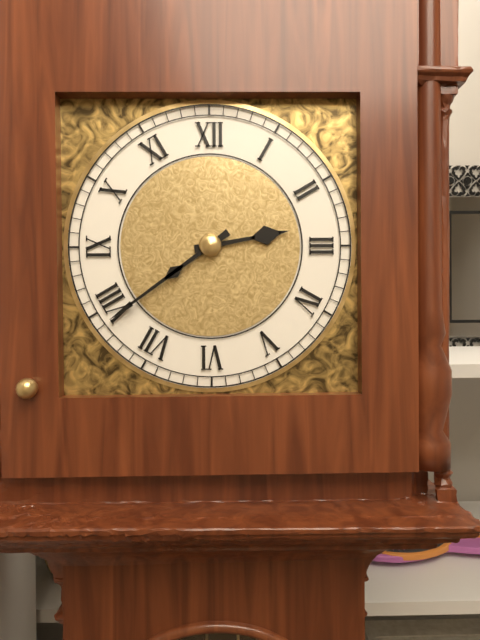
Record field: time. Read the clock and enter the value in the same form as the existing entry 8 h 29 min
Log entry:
2 h 39 min
